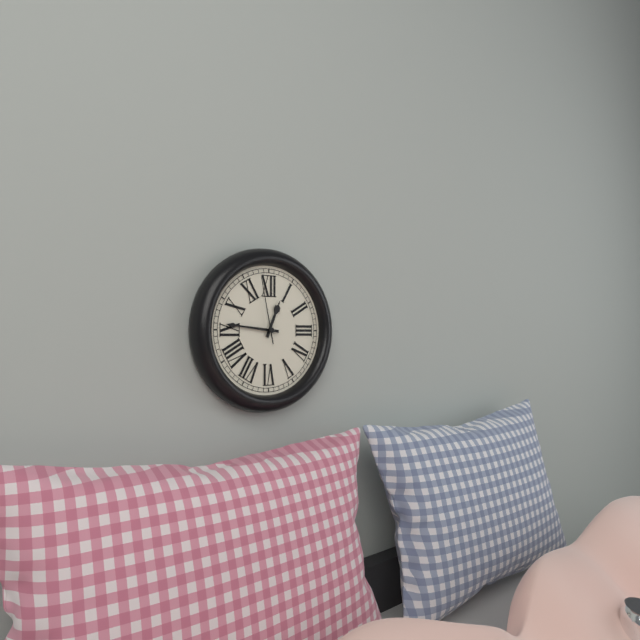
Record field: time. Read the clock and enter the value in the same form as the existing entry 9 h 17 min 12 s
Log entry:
12 h 46 min 58 s
